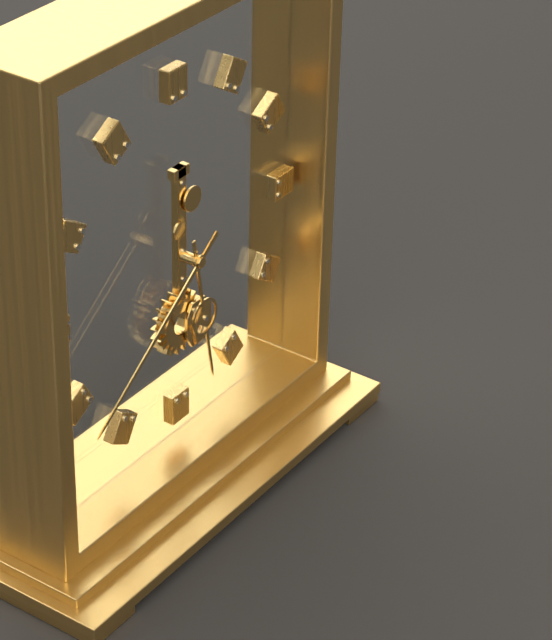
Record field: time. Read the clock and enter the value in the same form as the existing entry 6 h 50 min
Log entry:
5 h 39 min
